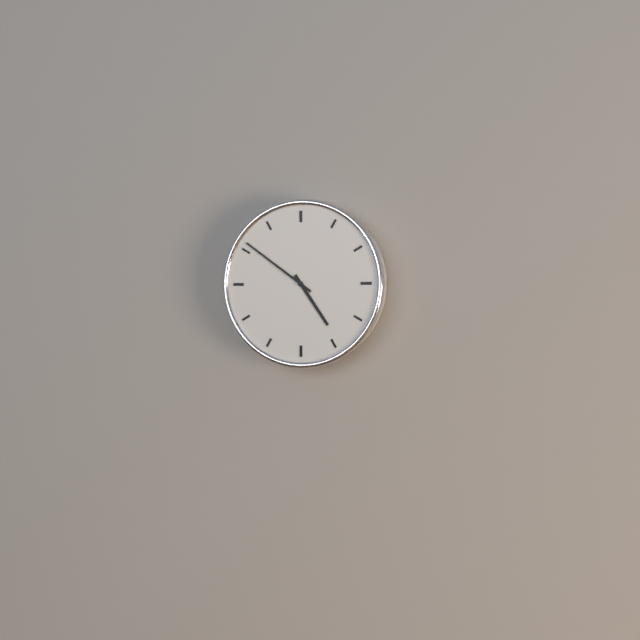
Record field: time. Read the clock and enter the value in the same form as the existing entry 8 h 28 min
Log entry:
4 h 51 min
